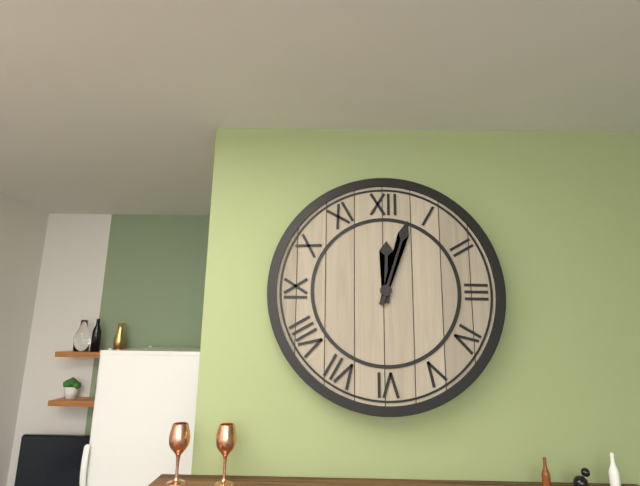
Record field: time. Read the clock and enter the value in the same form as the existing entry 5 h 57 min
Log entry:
12 h 03 min
